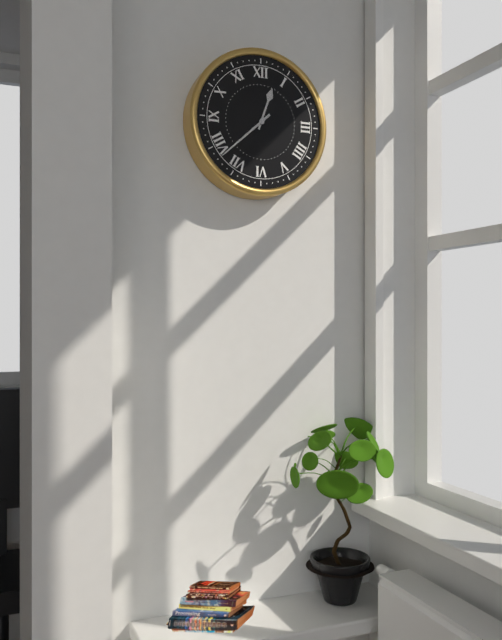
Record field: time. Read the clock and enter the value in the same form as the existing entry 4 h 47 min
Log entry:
12 h 38 min
